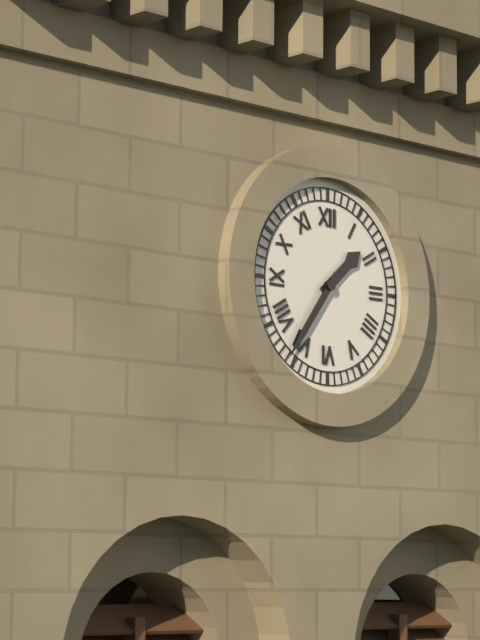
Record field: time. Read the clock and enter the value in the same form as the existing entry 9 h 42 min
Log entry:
1 h 36 min
